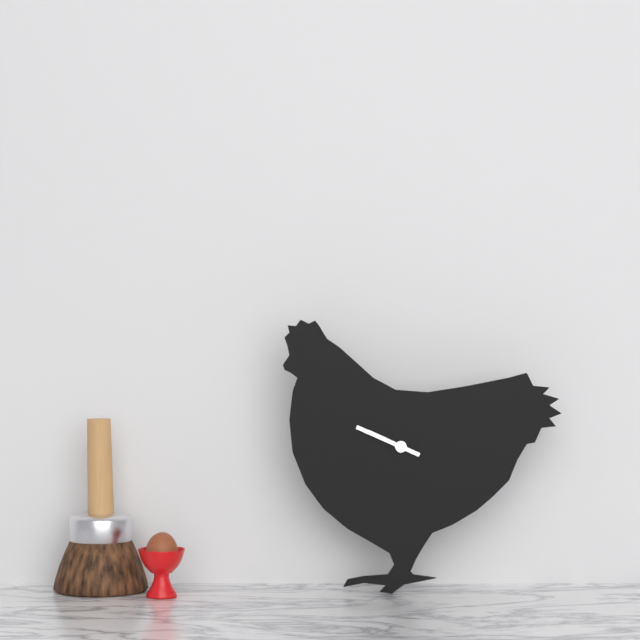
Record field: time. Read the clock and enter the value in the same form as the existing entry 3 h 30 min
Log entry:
9 h 49 min
